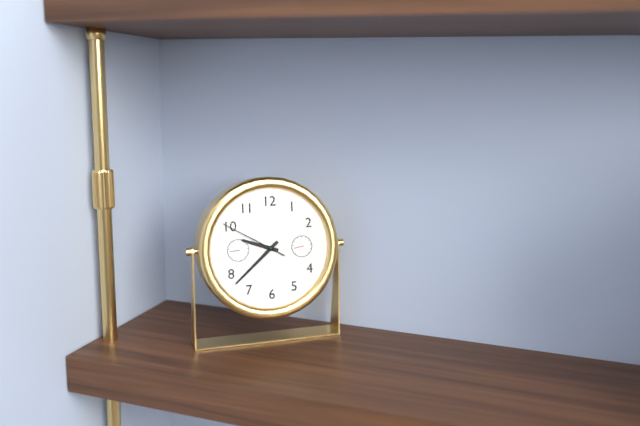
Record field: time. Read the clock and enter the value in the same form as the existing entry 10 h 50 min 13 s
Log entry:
9 h 38 min 50 s
